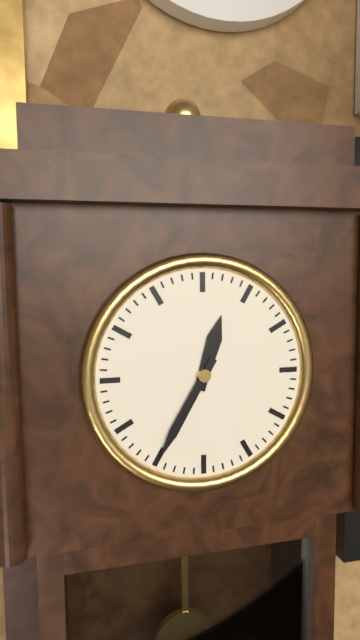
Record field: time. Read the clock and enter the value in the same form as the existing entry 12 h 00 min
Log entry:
12 h 35 min
